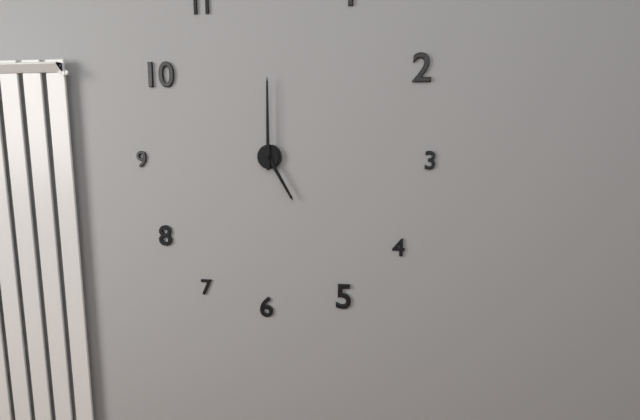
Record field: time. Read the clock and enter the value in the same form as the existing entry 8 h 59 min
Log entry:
5 h 00 min
